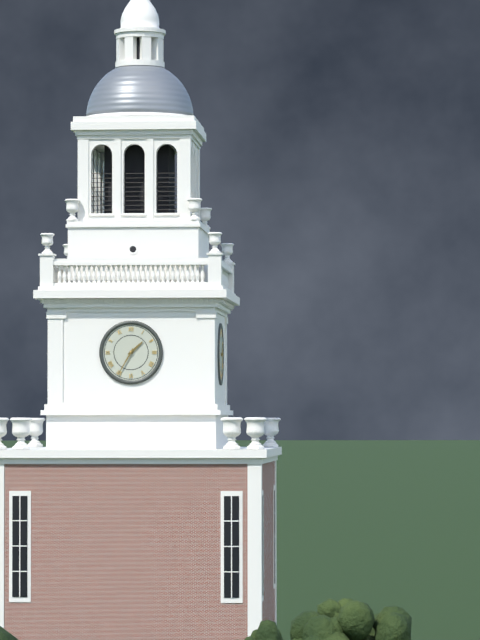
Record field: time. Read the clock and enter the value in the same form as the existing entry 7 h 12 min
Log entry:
1 h 35 min
